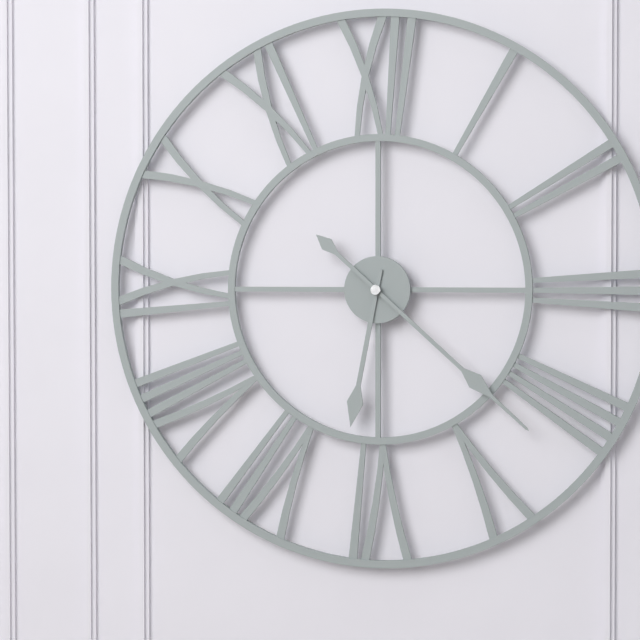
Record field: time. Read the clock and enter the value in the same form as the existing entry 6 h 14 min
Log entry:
6 h 22 min
